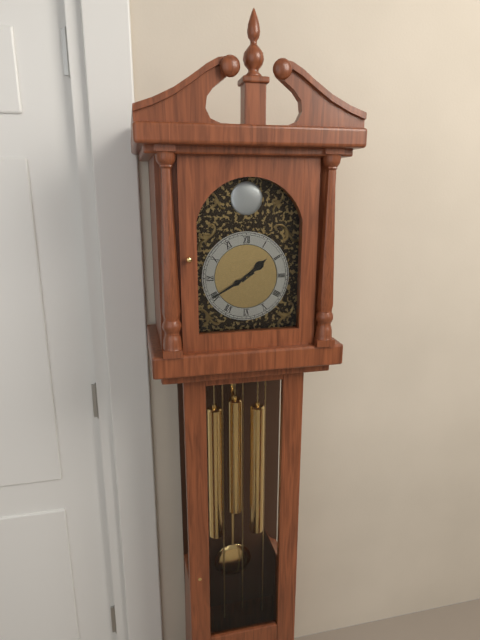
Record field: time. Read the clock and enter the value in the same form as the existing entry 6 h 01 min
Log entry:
1 h 40 min
